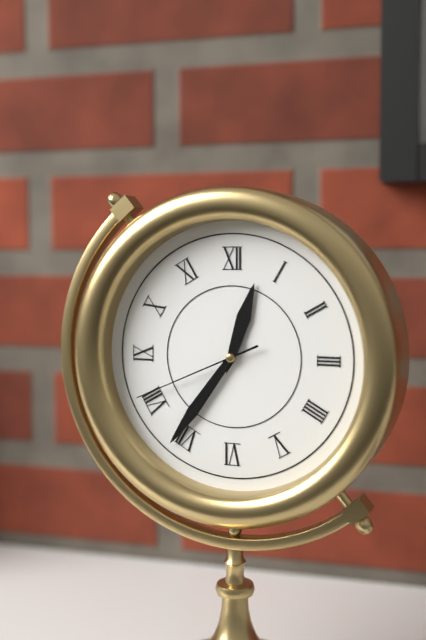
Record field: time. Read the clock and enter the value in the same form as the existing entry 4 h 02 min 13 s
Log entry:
12 h 36 min 41 s
